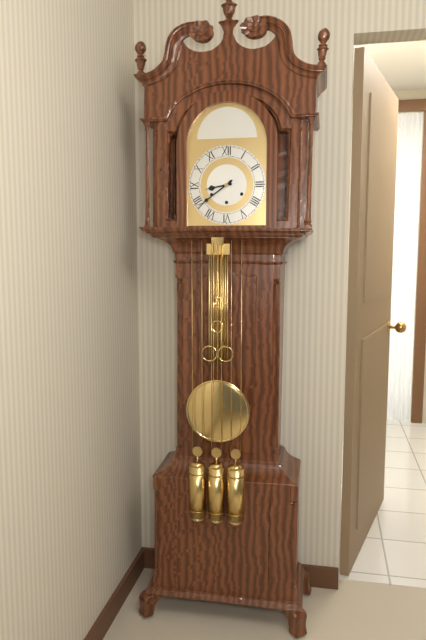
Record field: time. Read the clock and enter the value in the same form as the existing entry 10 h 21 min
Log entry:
8 h 39 min
